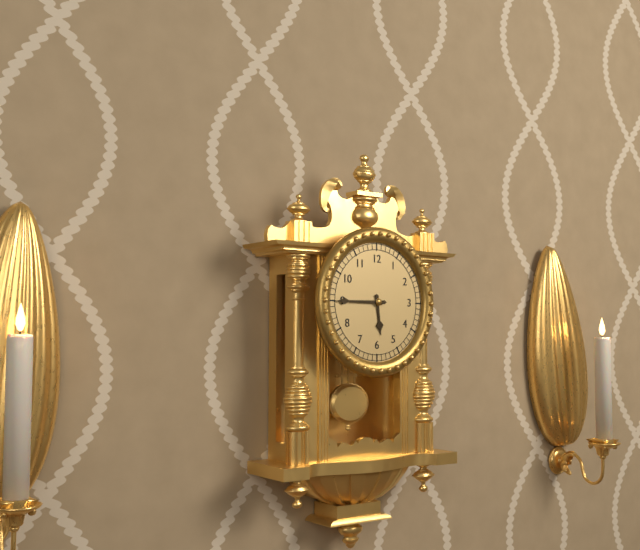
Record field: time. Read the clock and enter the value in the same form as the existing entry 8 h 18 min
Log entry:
5 h 45 min
